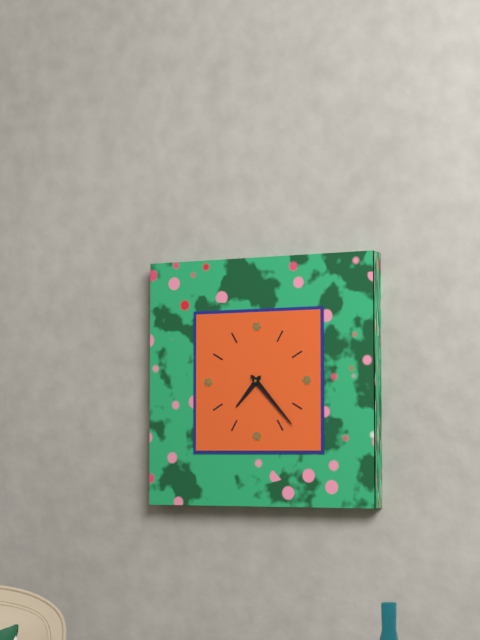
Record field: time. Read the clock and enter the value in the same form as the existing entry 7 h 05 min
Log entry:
7 h 23 min
